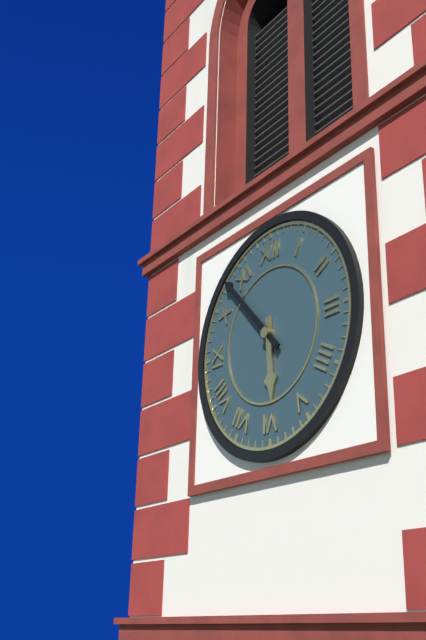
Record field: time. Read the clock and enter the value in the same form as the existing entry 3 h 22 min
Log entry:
5 h 53 min
